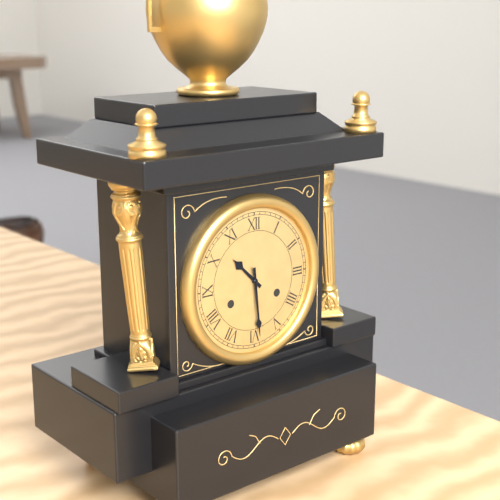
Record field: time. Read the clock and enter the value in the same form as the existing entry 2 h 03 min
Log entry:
10 h 29 min
